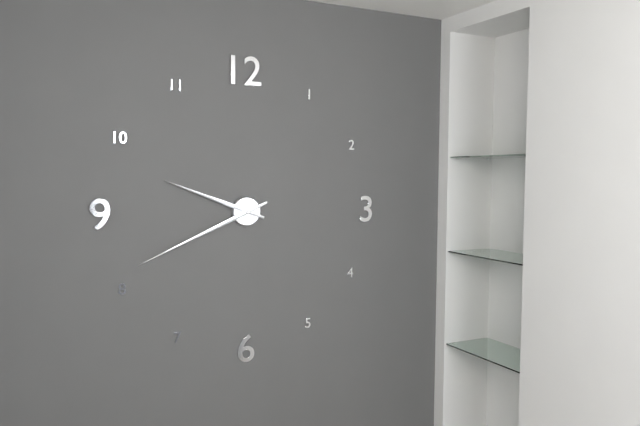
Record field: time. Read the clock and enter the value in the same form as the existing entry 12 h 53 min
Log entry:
9 h 41 min
